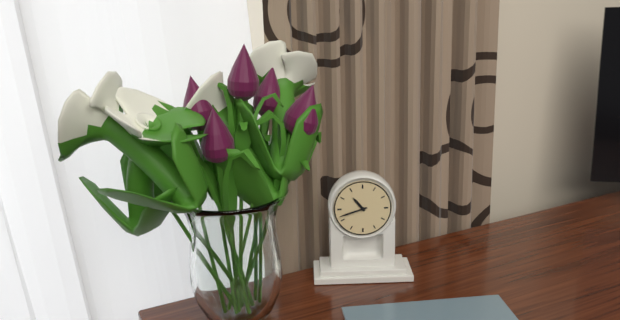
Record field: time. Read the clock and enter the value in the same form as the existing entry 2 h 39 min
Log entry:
10 h 42 min
